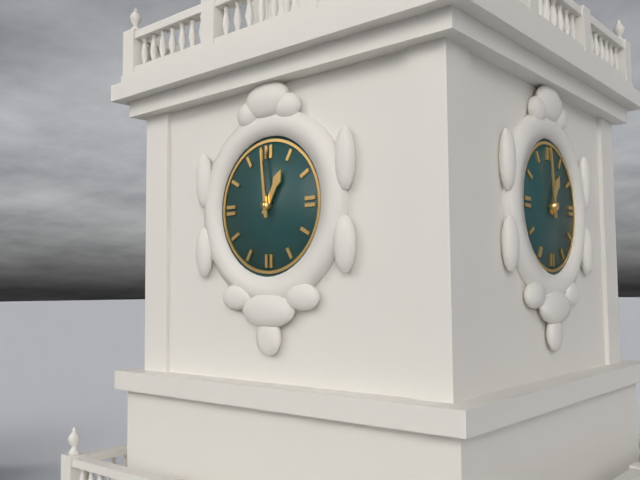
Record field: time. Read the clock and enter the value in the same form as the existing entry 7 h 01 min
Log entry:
12 h 59 min
